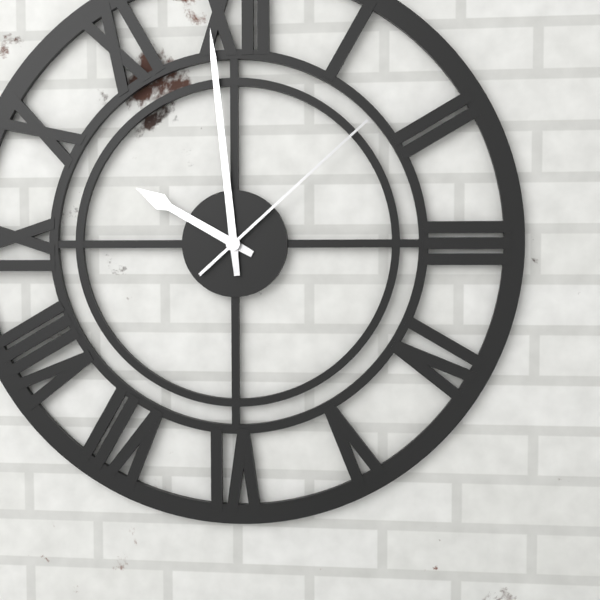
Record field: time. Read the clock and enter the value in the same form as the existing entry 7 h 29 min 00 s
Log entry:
9 h 59 min 08 s
